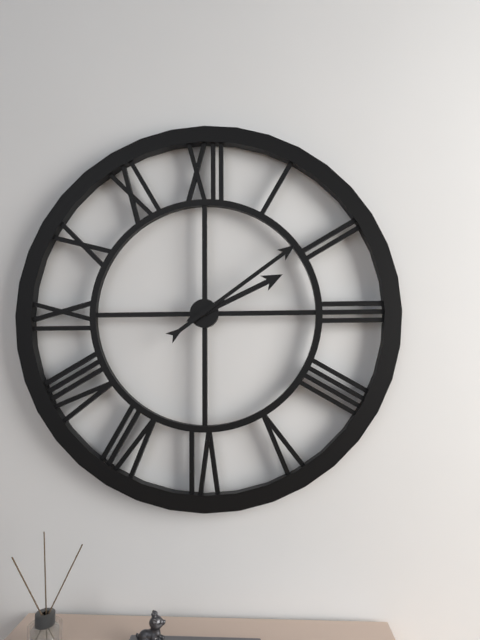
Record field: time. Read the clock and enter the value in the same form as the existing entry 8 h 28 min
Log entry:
2 h 09 min
